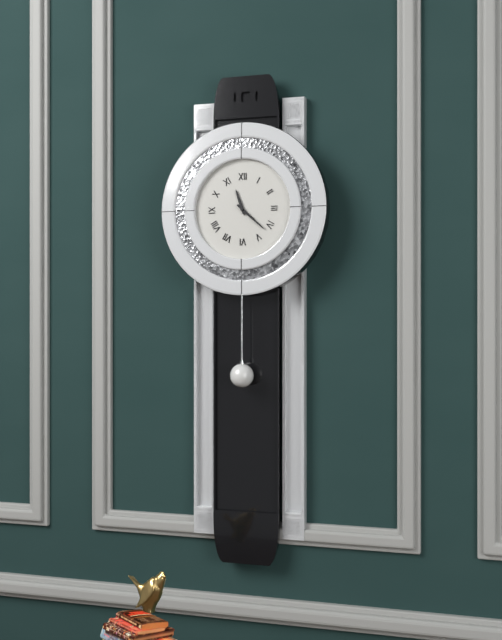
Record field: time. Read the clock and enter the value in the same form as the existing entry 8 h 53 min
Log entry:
11 h 22 min
